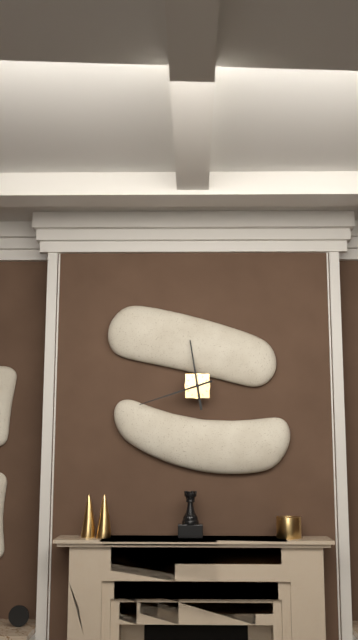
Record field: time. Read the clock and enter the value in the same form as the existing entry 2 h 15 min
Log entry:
11 h 42 min
